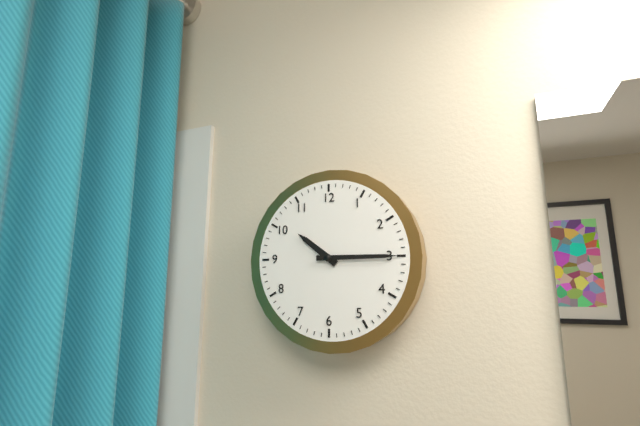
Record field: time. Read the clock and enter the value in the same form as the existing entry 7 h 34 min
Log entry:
10 h 15 min
